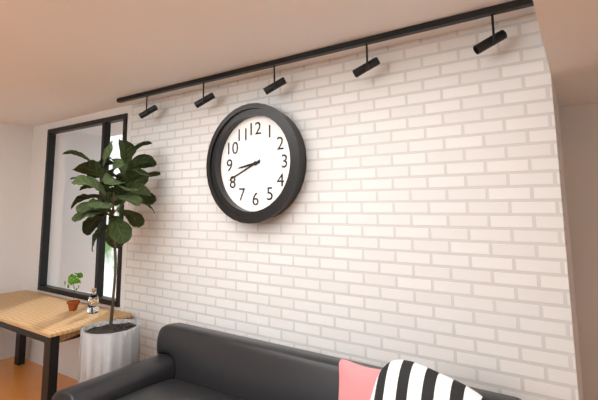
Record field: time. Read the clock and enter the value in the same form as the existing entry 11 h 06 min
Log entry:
8 h 41 min
